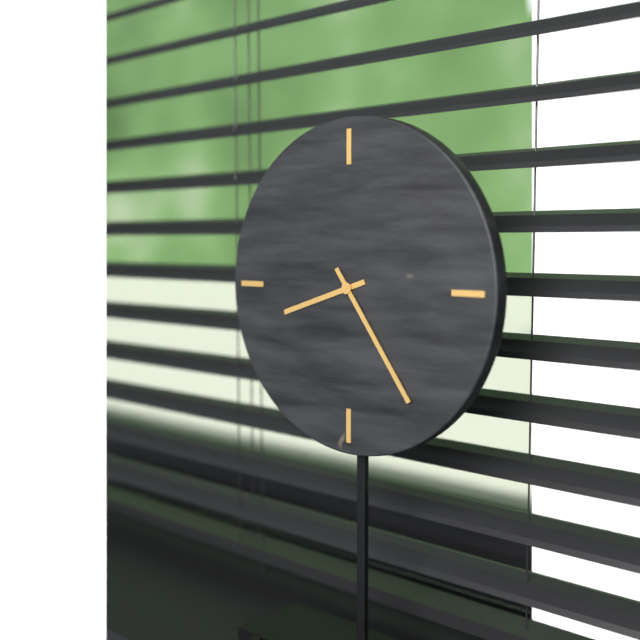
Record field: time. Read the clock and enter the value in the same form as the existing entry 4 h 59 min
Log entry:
8 h 24 min
